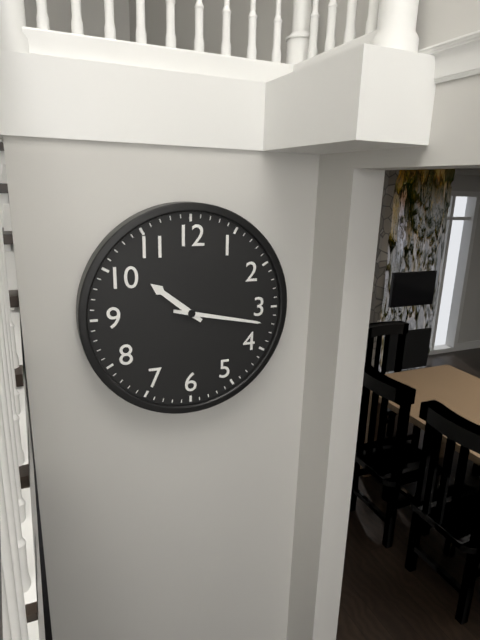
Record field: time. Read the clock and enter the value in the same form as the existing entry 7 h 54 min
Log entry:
10 h 17 min
